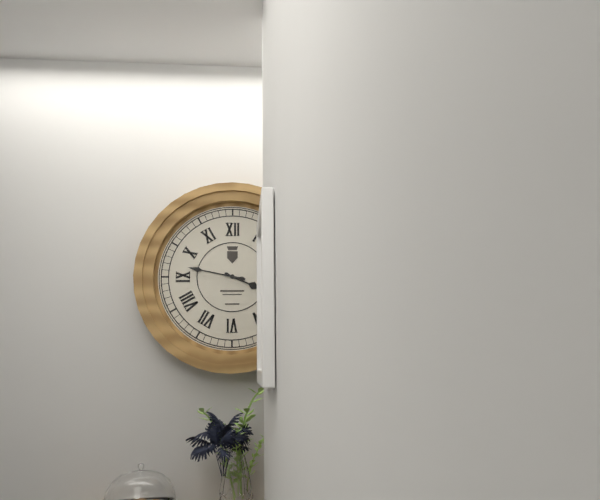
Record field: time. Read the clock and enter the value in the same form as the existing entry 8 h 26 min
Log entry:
3 h 47 min
